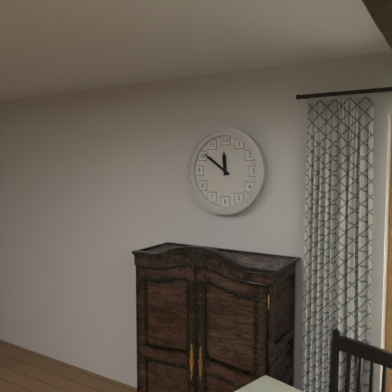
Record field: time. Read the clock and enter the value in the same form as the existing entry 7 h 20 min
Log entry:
11 h 51 min
